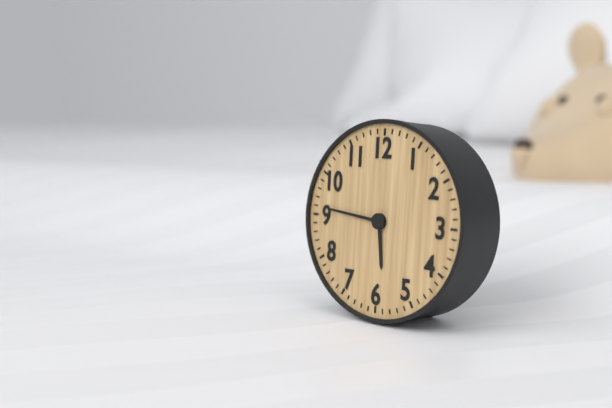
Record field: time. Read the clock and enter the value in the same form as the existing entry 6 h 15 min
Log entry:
5 h 46 min
